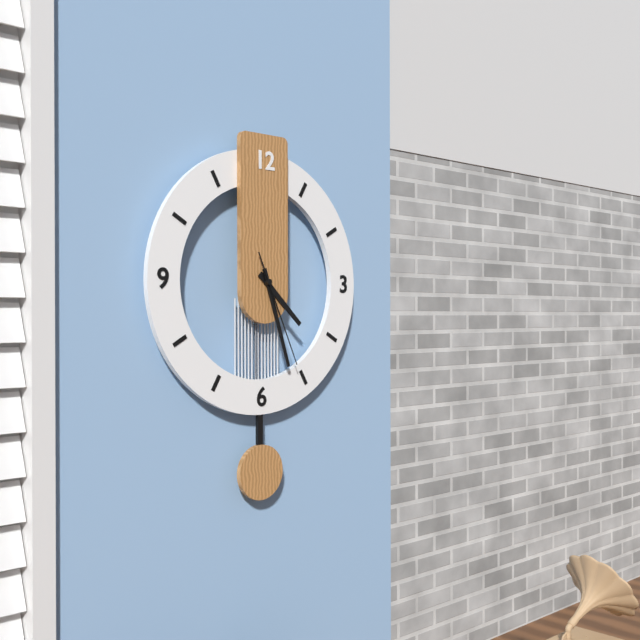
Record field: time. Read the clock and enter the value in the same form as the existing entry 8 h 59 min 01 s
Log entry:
4 h 27 min 26 s
